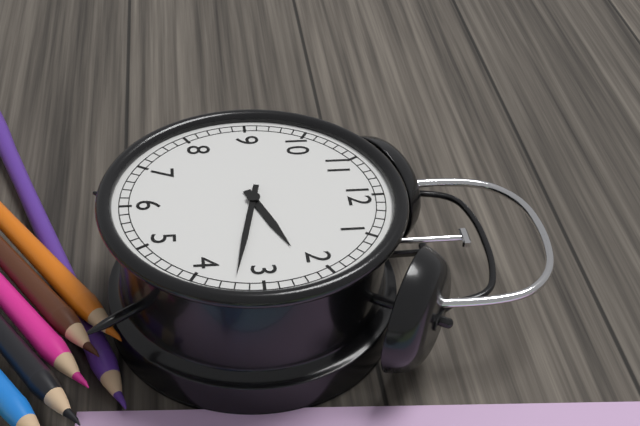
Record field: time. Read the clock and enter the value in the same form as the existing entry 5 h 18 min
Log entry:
2 h 17 min
